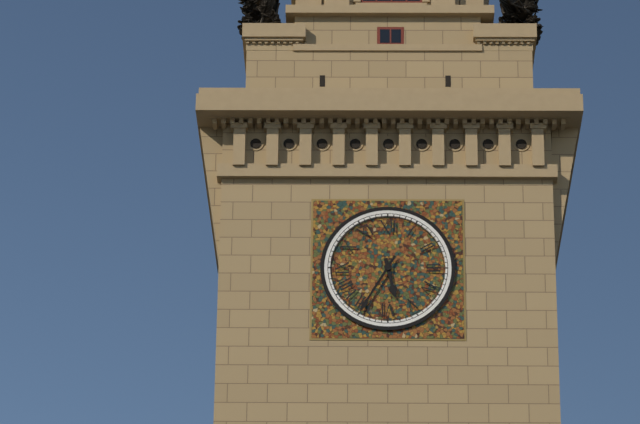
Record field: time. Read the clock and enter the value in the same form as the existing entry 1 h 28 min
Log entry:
5 h 35 min
